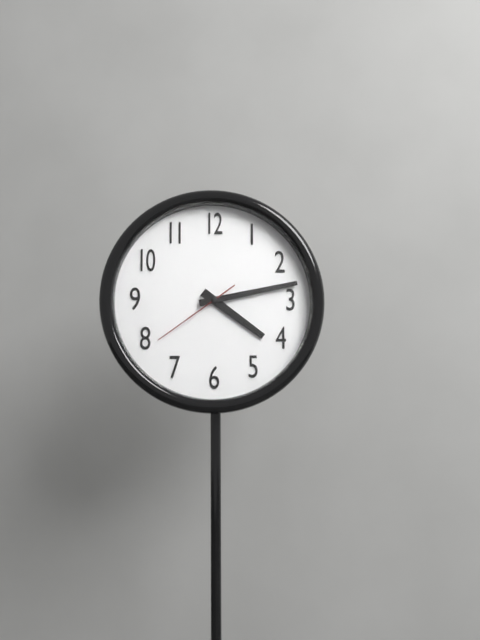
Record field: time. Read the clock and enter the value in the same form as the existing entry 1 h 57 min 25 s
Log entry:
4 h 13 min 39 s
